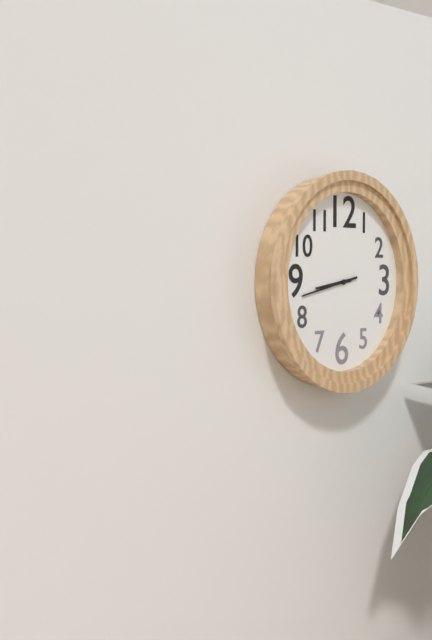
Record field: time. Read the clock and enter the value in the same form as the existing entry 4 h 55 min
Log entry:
8 h 43 min
